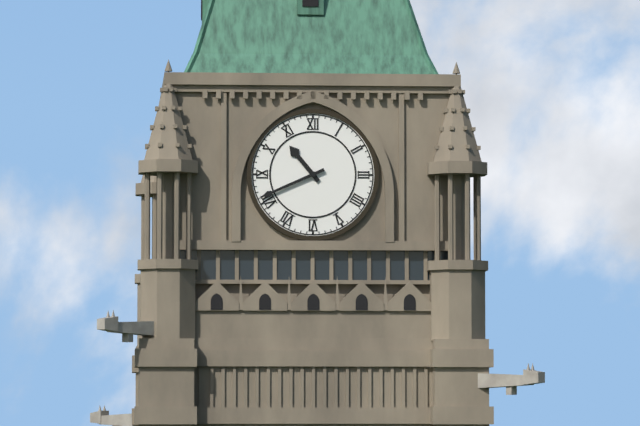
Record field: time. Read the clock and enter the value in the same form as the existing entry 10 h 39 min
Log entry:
10 h 41 min
